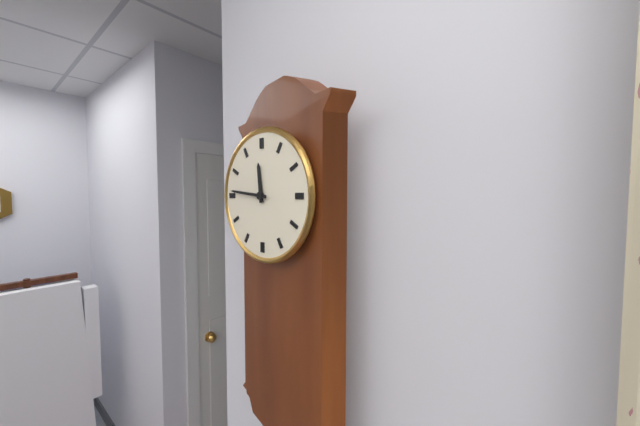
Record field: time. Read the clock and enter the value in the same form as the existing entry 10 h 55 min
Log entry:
11 h 46 min
